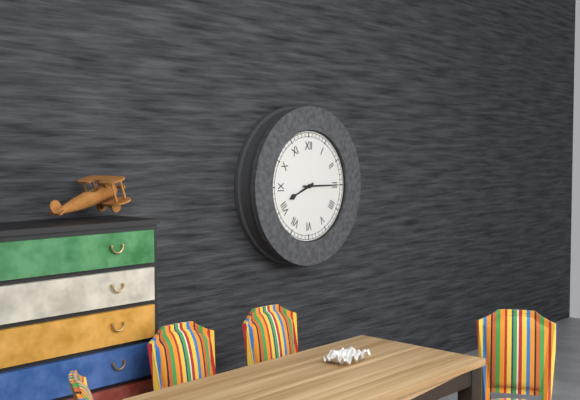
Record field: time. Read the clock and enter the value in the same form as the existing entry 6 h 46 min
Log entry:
8 h 15 min
